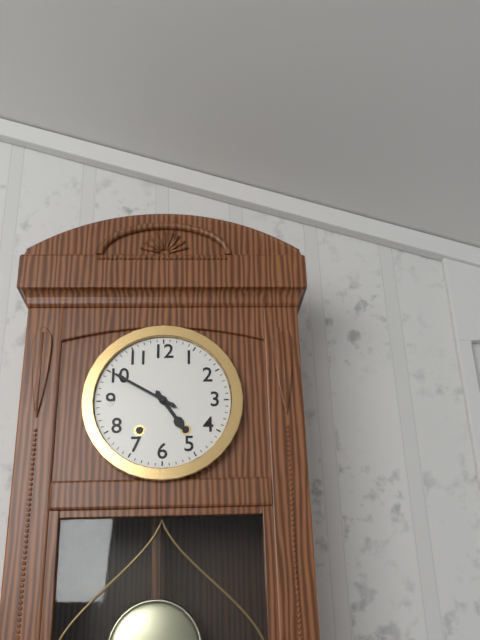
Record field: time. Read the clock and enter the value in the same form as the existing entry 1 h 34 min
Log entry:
4 h 50 min
